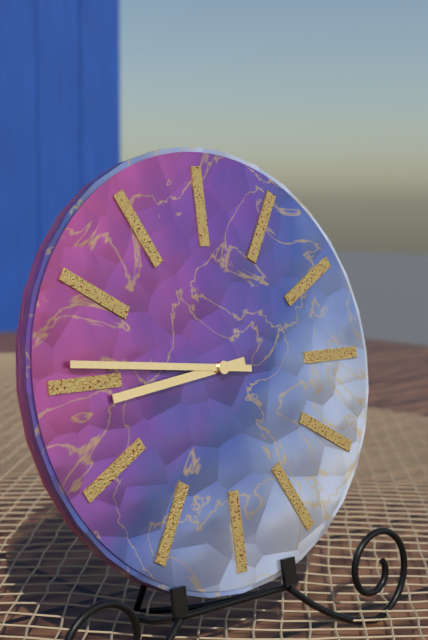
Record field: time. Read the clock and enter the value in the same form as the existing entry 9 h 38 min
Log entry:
8 h 46 min
